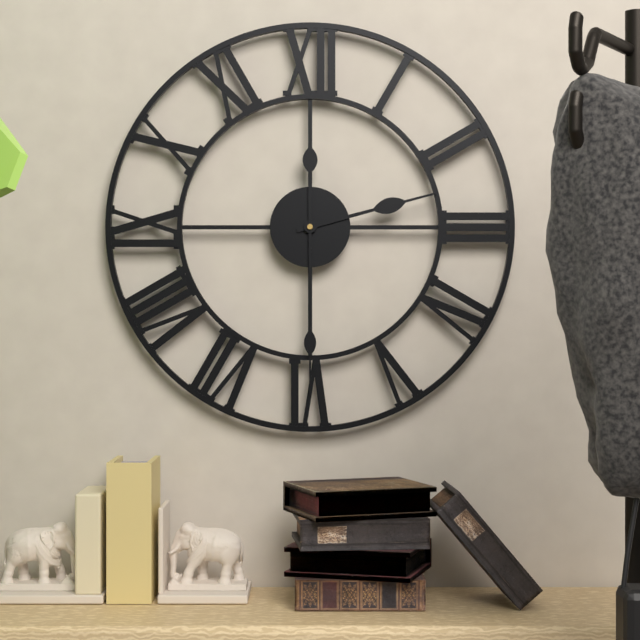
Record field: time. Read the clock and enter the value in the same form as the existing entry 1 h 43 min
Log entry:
2 h 30 min
